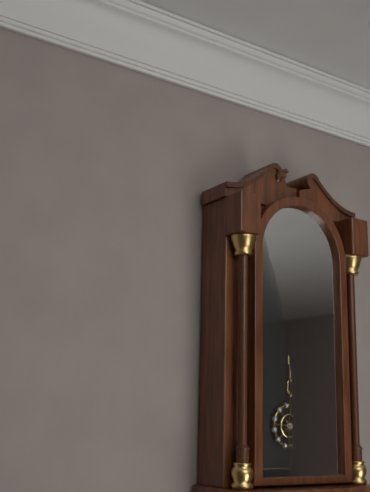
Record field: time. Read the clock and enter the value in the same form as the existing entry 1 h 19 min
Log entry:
7 h 20 min
